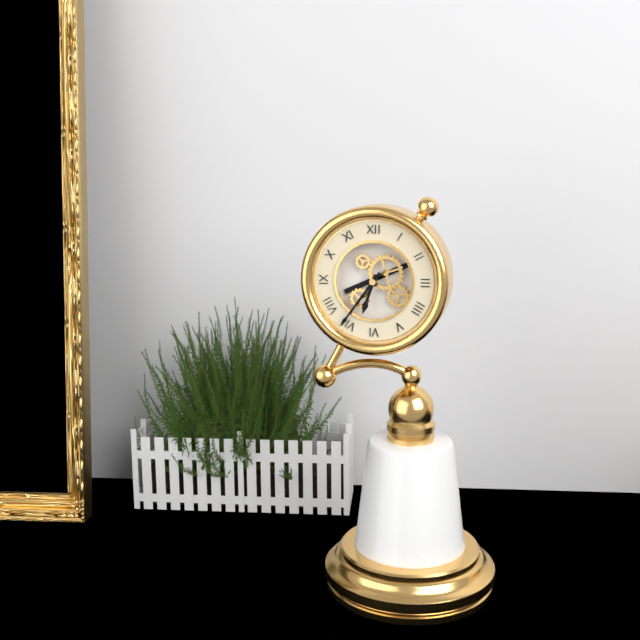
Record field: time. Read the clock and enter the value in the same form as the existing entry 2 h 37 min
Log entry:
6 h 36 min
